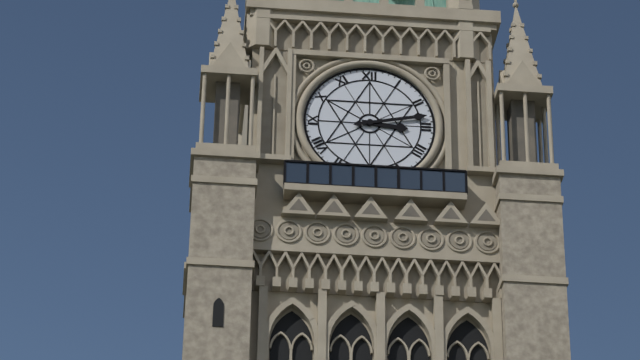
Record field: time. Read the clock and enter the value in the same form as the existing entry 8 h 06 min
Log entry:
3 h 13 min
